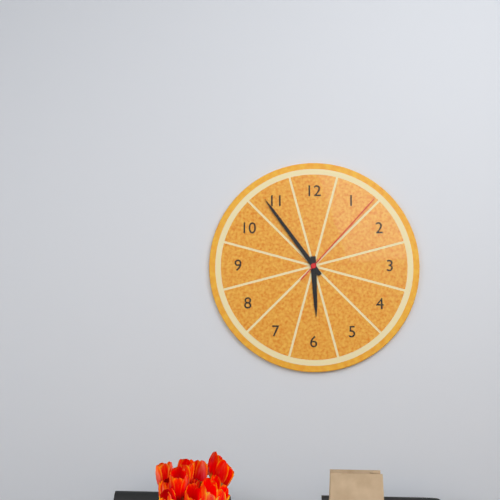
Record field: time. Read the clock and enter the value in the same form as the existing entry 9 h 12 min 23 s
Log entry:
5 h 54 min 07 s
